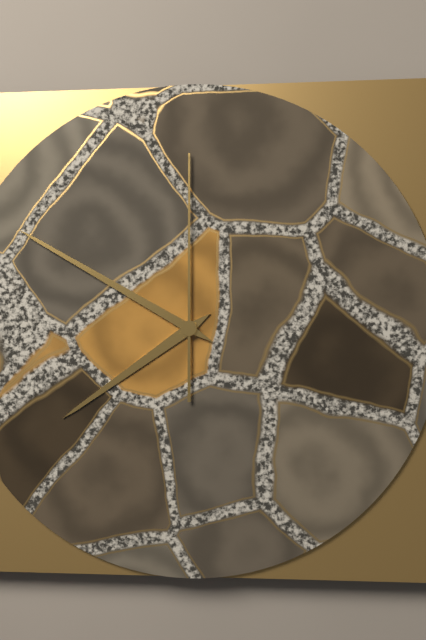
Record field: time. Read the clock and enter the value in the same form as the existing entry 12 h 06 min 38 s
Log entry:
7 h 50 min 00 s
